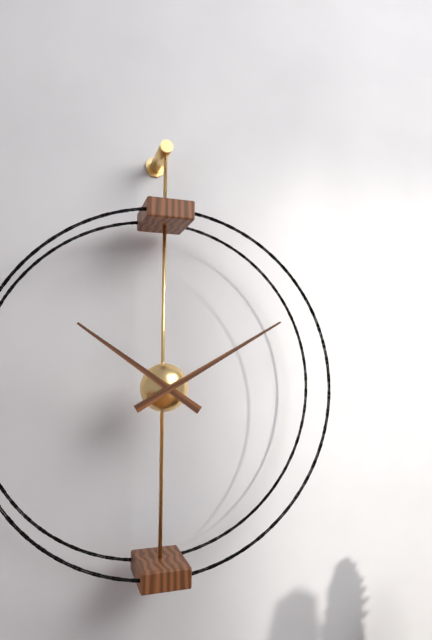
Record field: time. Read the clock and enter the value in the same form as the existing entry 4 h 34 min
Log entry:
10 h 10 min
